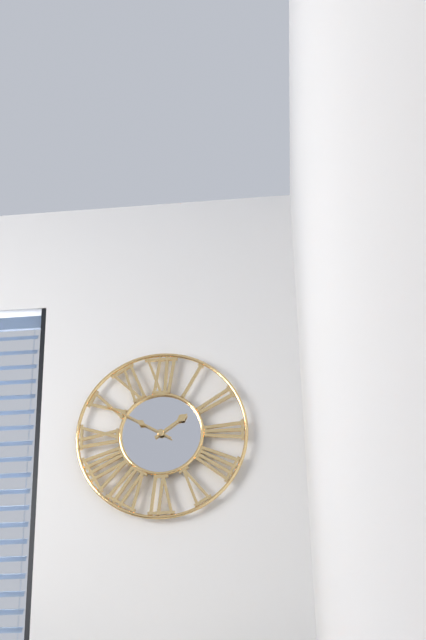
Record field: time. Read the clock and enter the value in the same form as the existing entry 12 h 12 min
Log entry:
1 h 50 min
